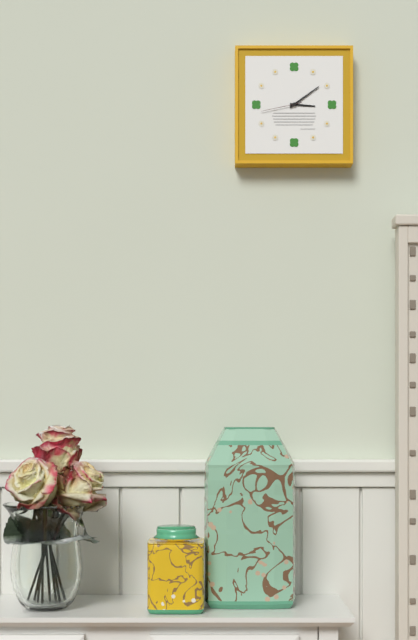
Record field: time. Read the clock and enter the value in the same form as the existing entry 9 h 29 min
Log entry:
3 h 09 min
